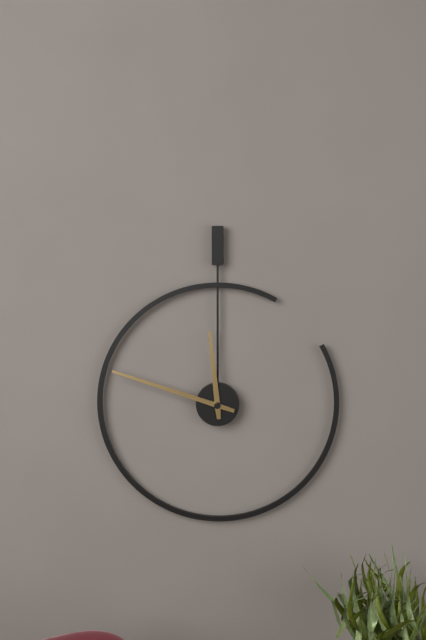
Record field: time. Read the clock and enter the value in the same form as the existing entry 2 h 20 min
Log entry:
11 h 48 min
